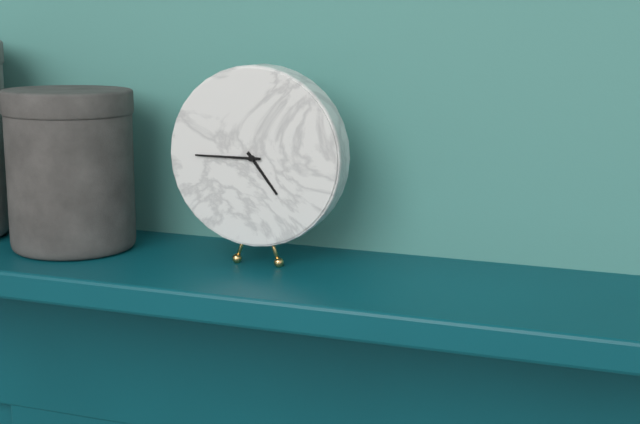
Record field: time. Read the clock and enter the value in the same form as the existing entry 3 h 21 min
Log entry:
4 h 45 min
